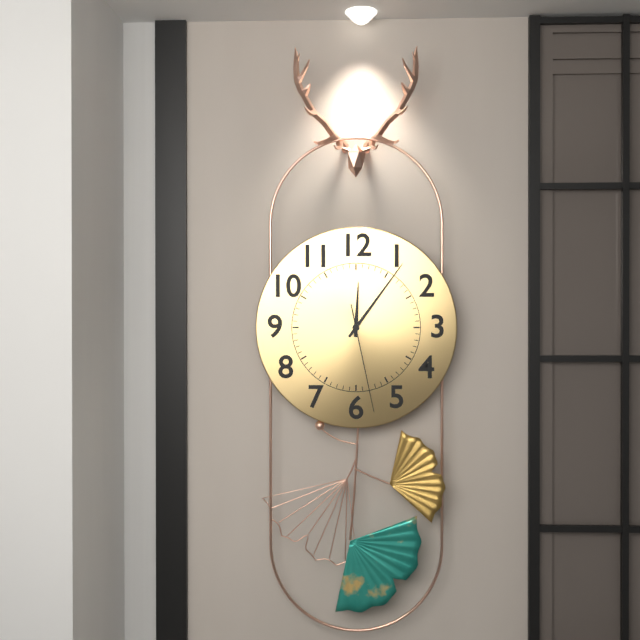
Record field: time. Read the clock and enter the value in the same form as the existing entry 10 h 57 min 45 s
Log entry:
12 h 06 min 28 s
